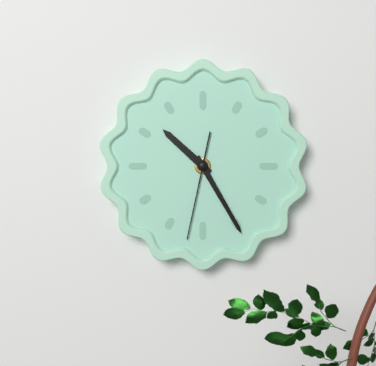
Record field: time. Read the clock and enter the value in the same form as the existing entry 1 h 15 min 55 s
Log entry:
10 h 25 min 32 s
